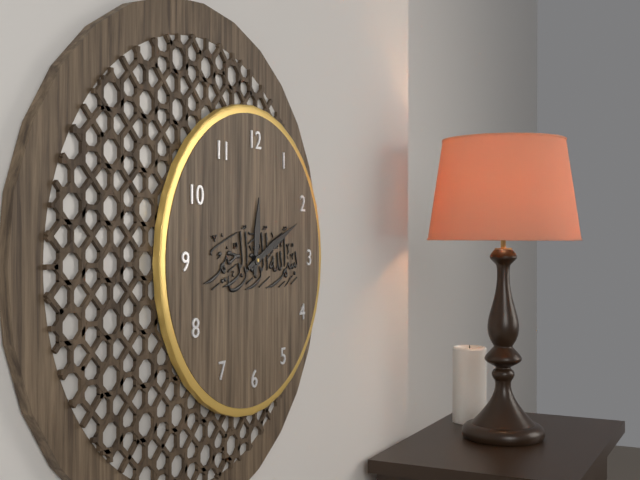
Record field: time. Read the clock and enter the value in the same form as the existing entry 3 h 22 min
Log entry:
12 h 11 min
